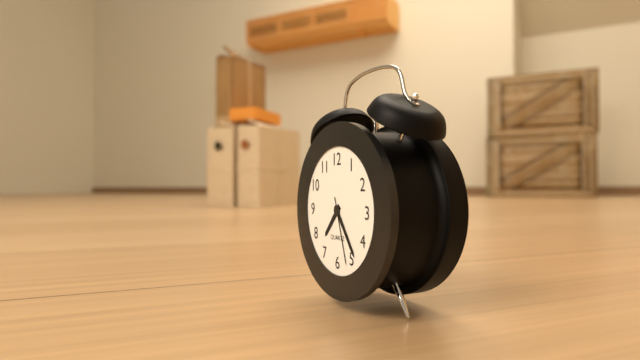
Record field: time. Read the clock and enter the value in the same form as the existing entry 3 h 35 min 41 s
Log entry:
7 h 24 min 27 s
